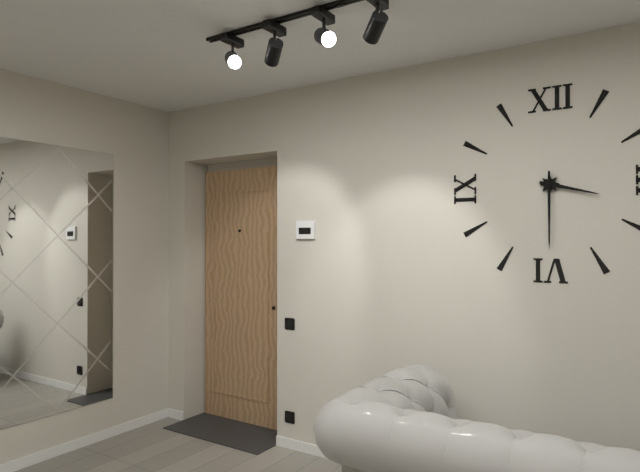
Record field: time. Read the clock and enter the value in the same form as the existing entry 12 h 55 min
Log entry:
3 h 30 min
